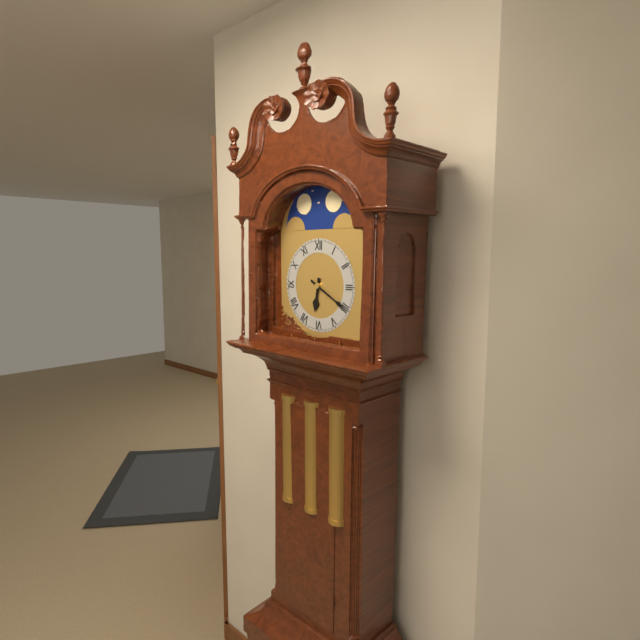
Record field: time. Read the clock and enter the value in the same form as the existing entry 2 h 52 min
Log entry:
6 h 20 min
